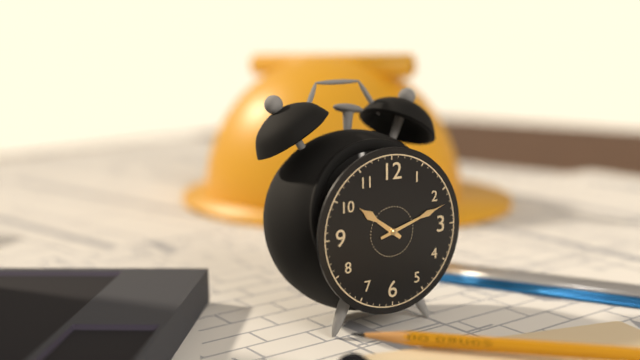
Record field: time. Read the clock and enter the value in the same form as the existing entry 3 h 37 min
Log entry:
10 h 12 min
